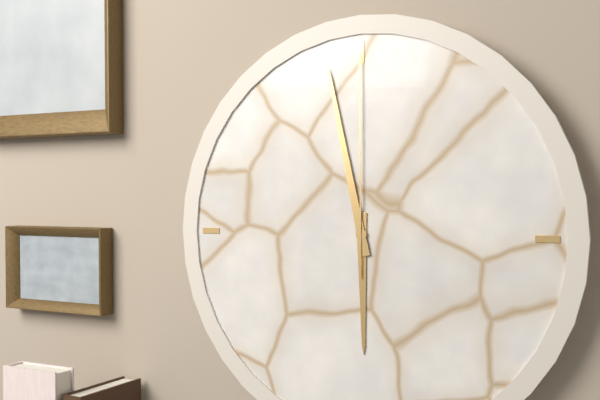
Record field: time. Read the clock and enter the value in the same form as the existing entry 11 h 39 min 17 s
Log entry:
5 h 58 min 00 s
